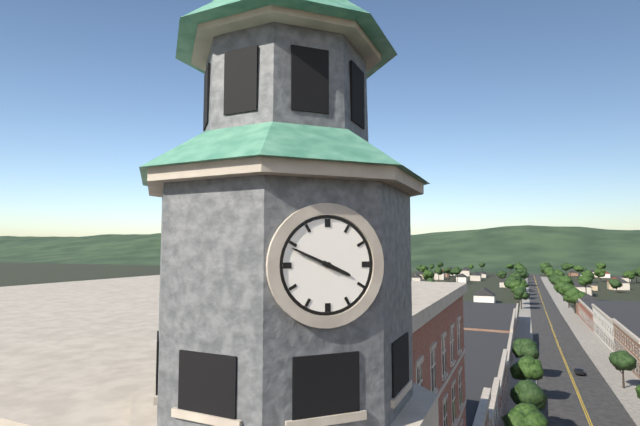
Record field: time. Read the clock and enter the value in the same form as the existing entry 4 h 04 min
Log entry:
3 h 49 min
